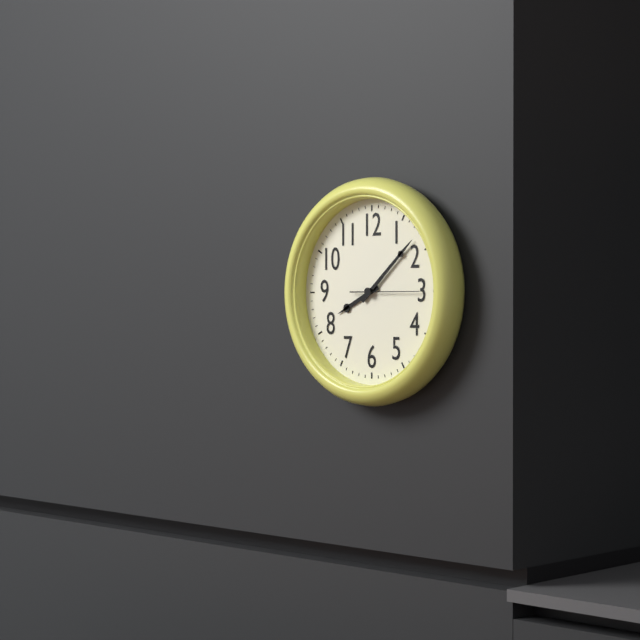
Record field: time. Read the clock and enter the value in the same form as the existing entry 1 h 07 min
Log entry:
8 h 08 min
